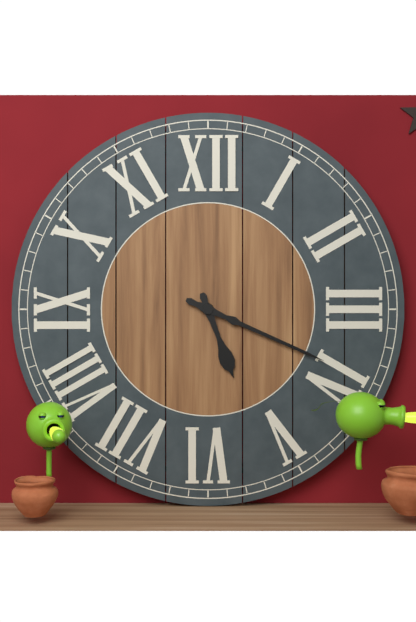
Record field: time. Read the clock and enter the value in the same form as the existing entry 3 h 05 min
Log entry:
5 h 19 min
